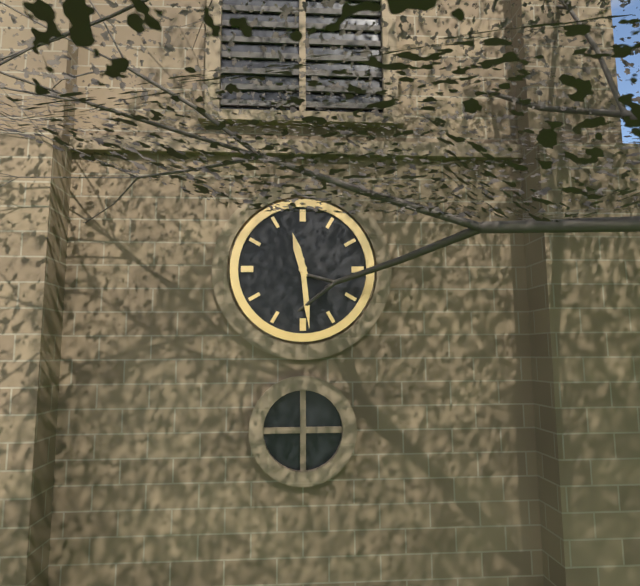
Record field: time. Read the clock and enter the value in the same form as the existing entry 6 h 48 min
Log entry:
11 h 29 min
